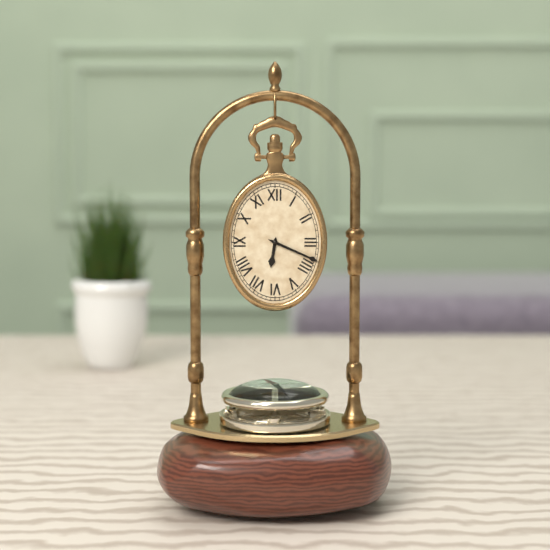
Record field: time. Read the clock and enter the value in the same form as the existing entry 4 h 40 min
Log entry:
6 h 19 min
